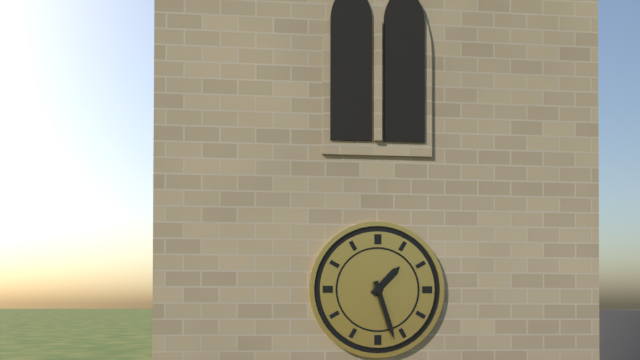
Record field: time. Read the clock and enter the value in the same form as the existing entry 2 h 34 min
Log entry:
1 h 27 min
